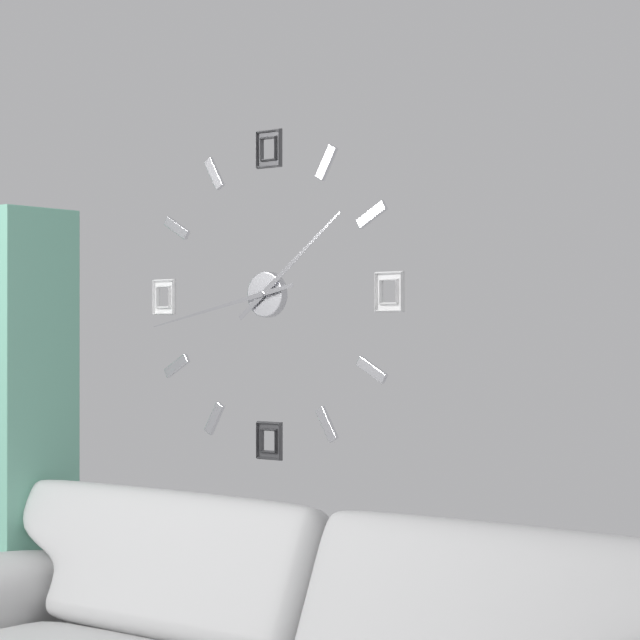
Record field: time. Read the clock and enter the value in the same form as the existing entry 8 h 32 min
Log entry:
1 h 43 min
